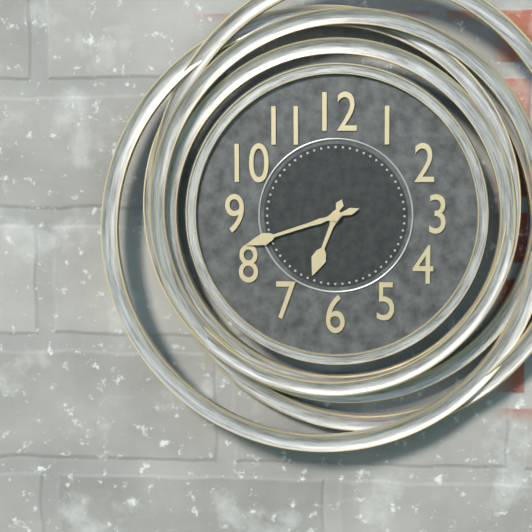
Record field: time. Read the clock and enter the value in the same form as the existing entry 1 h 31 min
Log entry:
6 h 42 min
